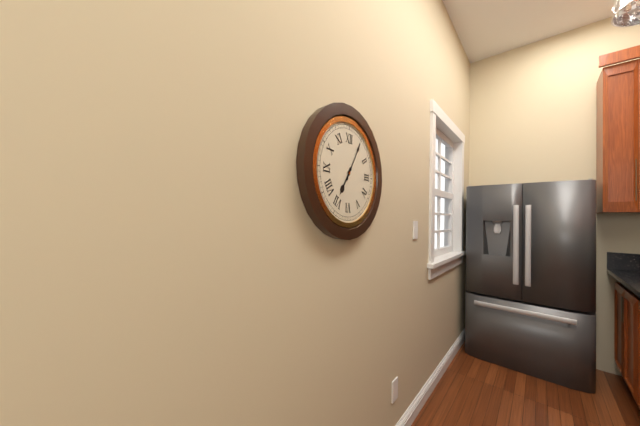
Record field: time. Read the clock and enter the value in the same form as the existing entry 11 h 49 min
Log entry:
7 h 05 min
